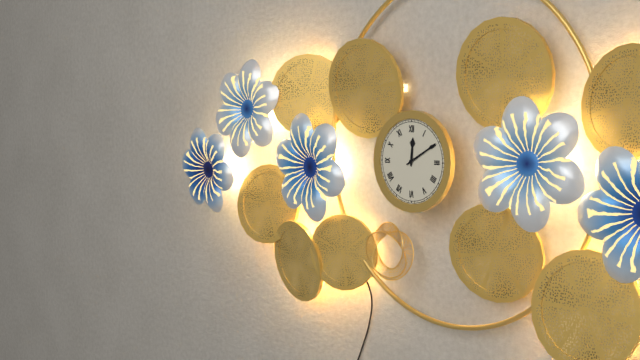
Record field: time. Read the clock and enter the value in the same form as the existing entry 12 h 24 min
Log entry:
12 h 10 min
